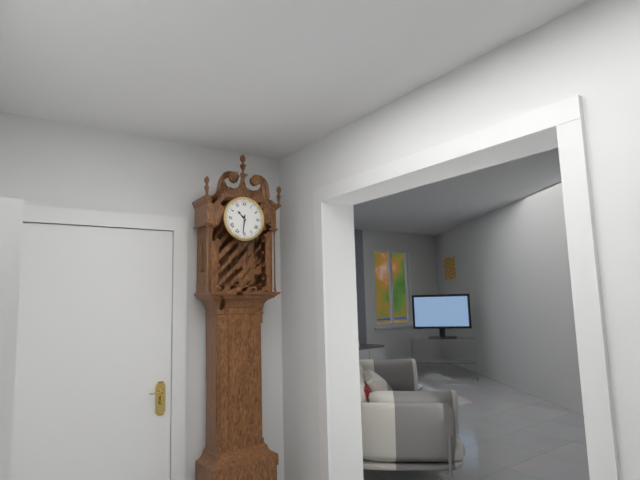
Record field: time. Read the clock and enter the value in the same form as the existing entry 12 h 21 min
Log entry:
10 h 31 min
